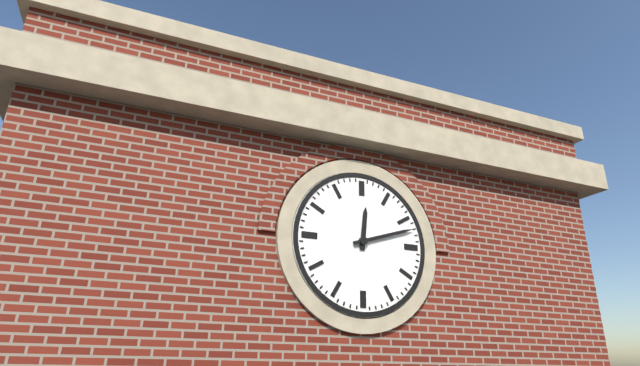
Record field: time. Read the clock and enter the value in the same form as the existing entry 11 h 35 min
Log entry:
12 h 12 min
